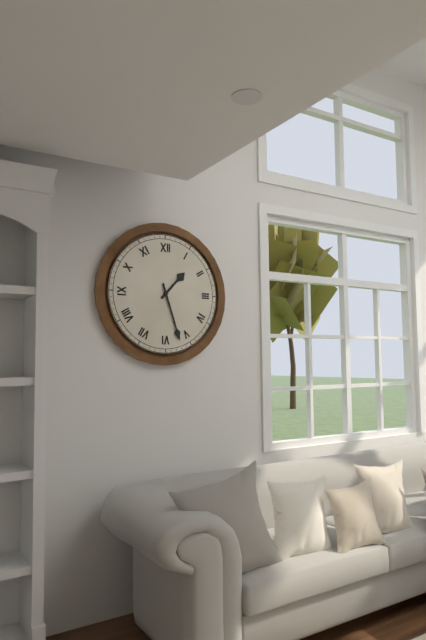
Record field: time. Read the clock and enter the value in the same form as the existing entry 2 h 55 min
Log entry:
1 h 27 min
